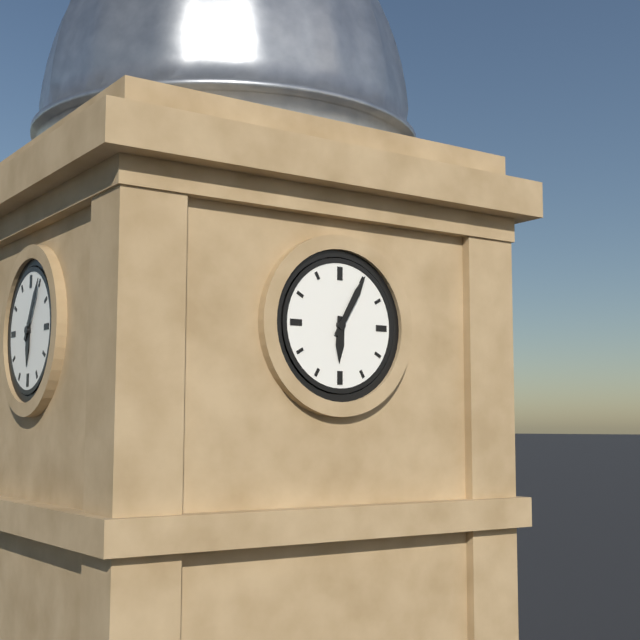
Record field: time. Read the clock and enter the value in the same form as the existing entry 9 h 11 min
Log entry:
6 h 05 min
